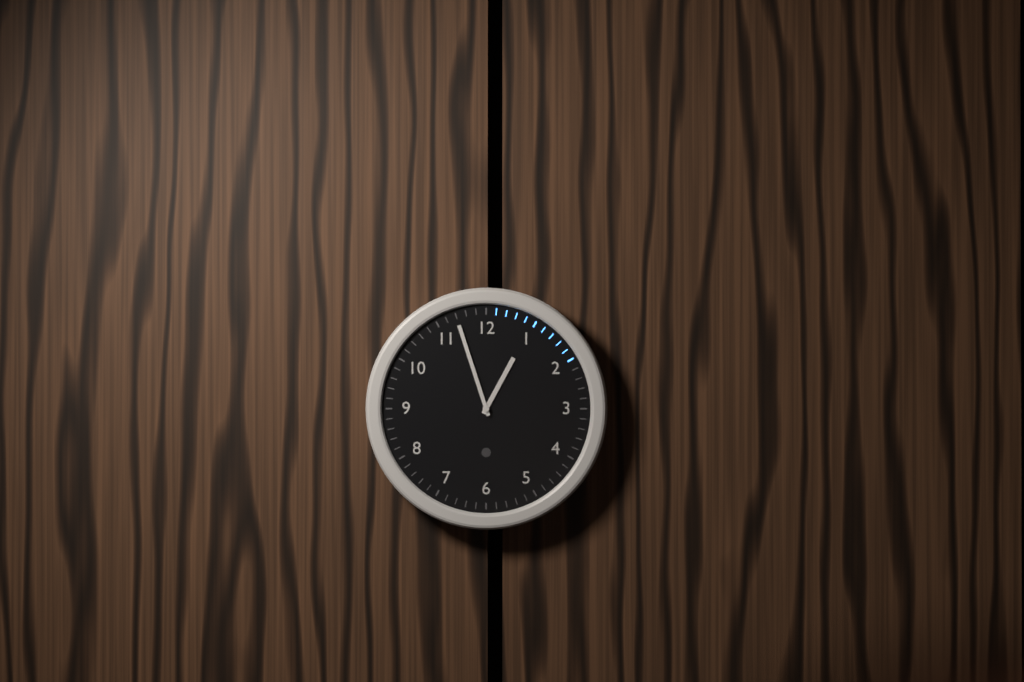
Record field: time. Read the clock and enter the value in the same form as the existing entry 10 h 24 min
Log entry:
12 h 57 min
